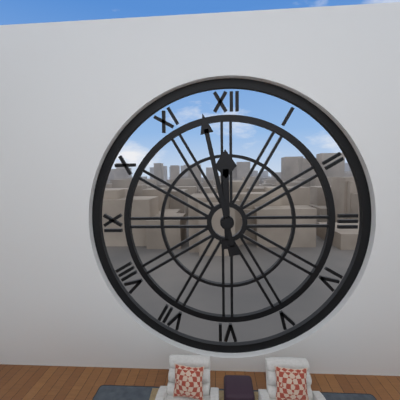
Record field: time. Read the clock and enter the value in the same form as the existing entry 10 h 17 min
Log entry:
11 h 58 min
